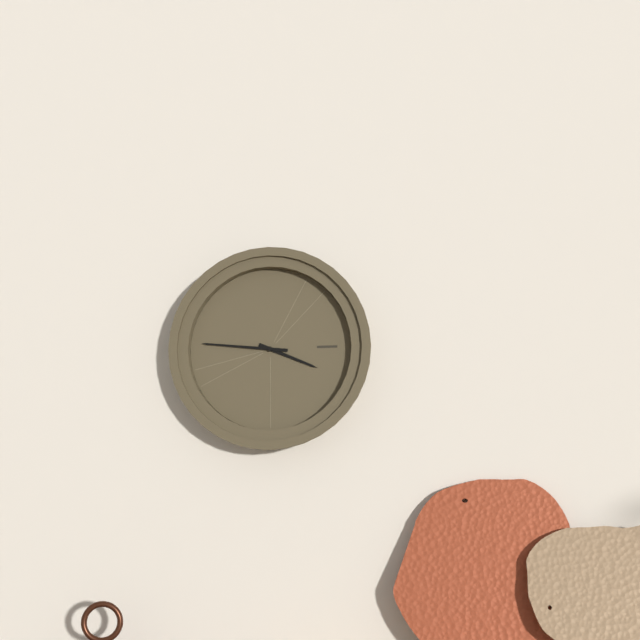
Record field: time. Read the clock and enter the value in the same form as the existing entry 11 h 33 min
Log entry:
3 h 46 min
